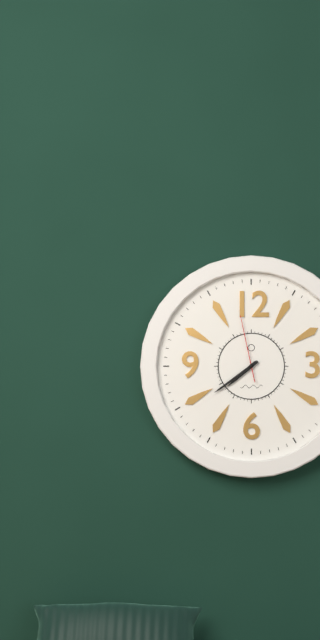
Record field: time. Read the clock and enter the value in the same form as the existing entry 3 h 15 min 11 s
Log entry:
7 h 39 min 58 s
